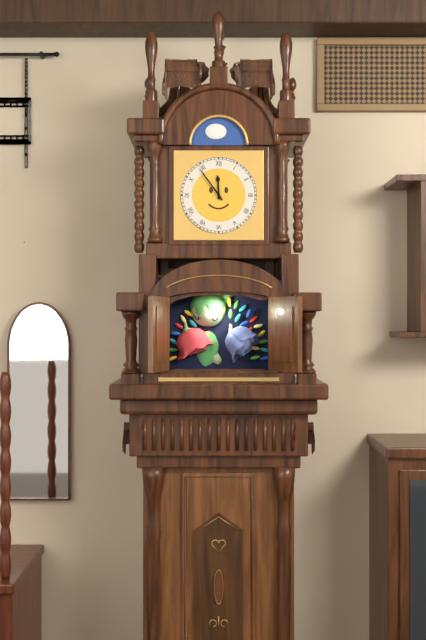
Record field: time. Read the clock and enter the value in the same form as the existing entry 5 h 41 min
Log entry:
11 h 54 min
